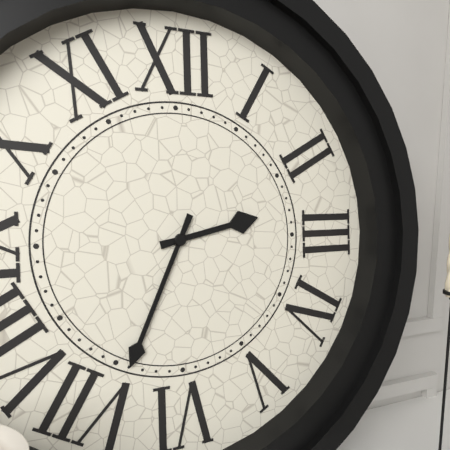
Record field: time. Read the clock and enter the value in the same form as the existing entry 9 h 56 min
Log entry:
2 h 34 min
